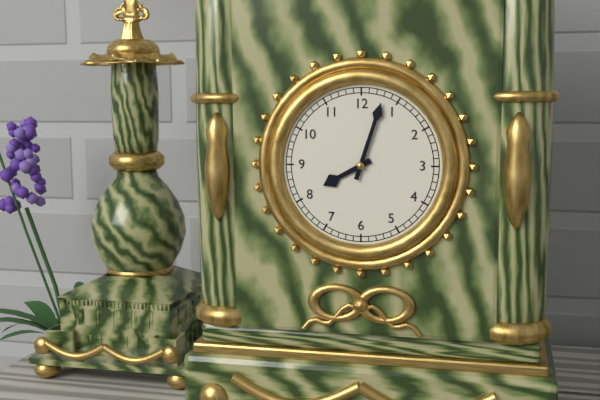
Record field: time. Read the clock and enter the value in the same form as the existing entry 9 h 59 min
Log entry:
8 h 03 min
